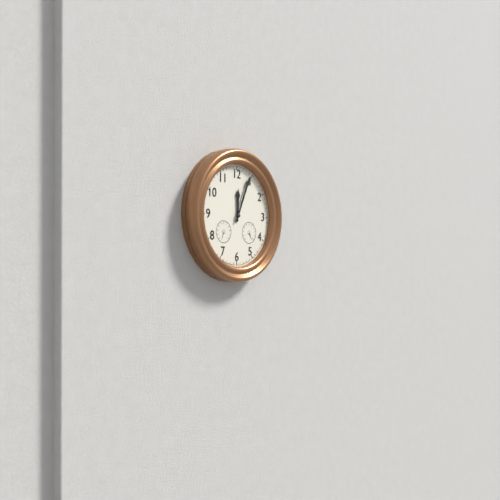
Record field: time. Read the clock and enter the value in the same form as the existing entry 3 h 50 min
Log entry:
12 h 04 min
